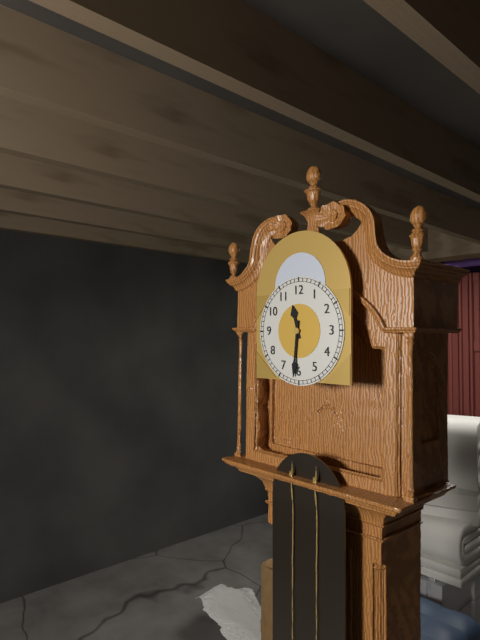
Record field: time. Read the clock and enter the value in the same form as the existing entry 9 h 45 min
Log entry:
11 h 31 min
